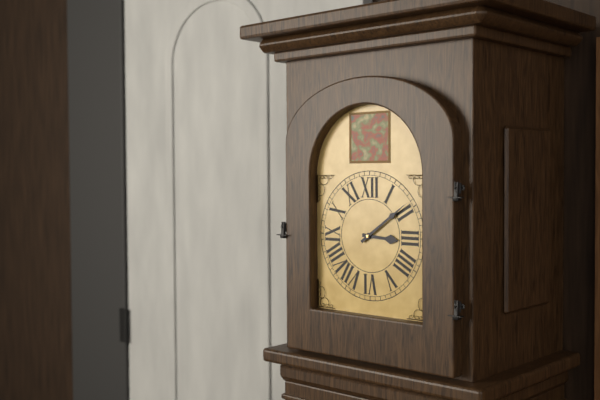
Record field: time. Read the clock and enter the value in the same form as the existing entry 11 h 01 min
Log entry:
3 h 09 min
